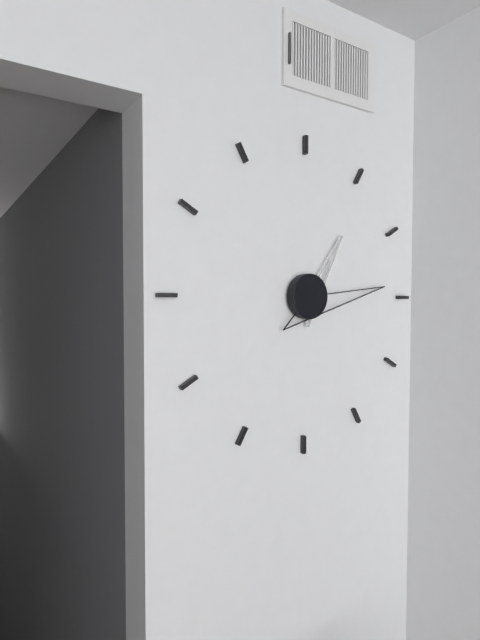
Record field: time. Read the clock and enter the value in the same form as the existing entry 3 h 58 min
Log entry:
1 h 14 min
